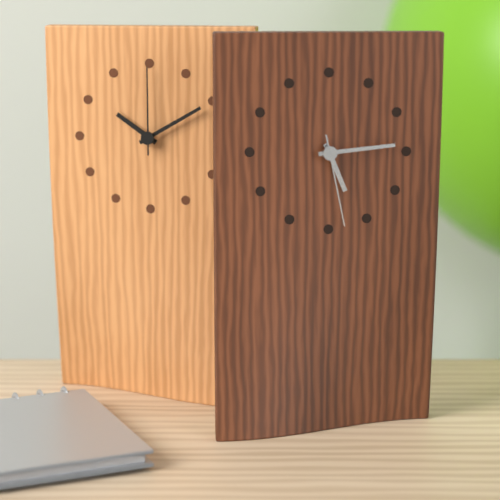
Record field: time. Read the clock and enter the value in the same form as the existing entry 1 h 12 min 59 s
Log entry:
5 h 14 min 28 s
